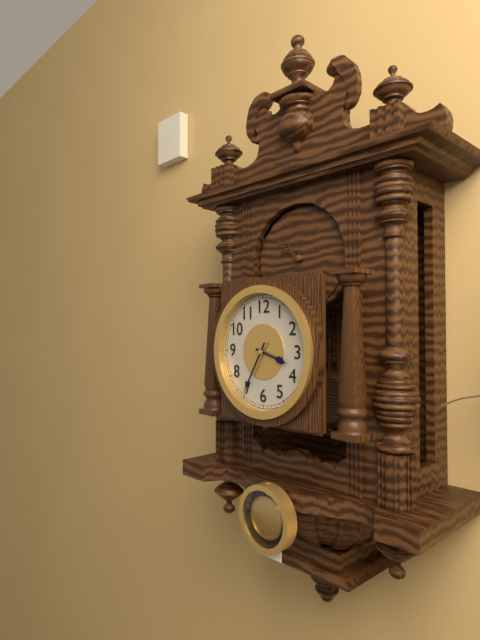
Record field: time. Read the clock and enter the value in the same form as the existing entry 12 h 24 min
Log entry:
3 h 35 min
